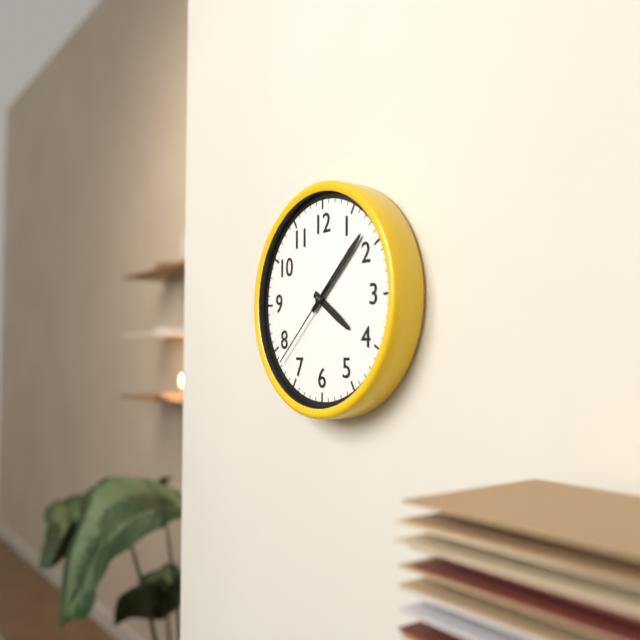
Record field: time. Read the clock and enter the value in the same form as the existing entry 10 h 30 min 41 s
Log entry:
4 h 08 min 38 s
